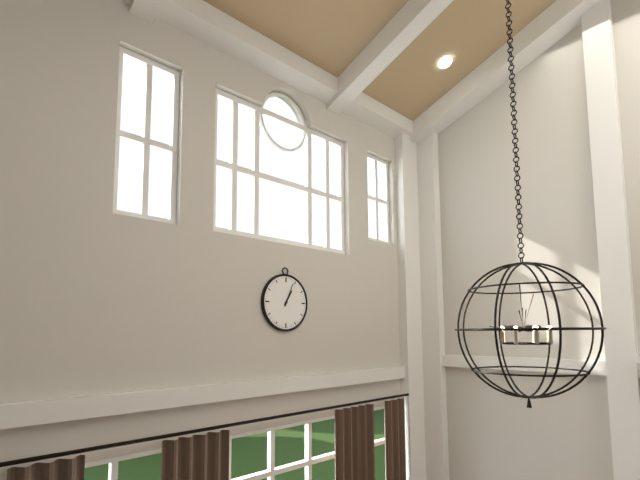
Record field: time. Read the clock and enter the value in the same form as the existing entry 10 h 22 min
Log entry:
1 h 04 min
